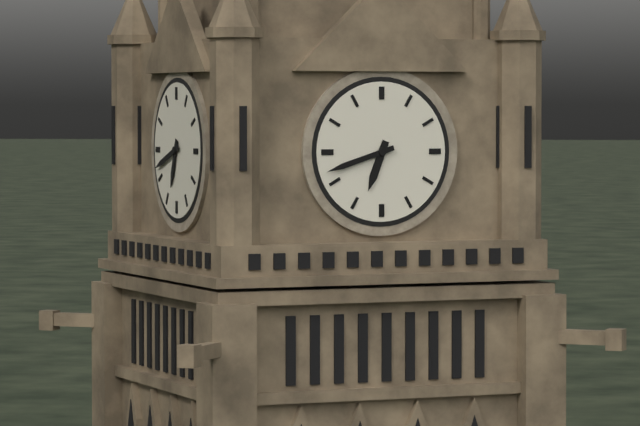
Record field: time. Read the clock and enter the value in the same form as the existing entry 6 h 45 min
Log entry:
6 h 42 min
